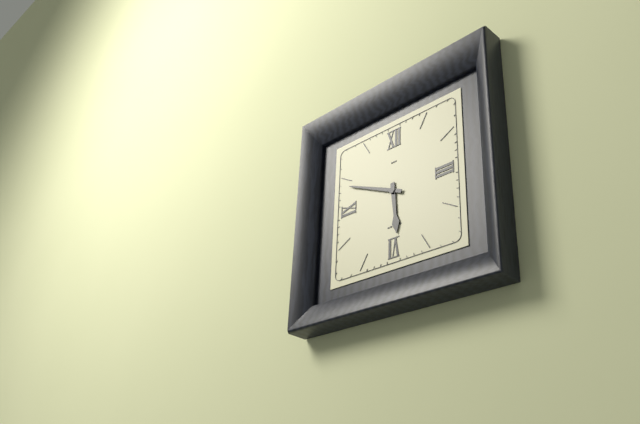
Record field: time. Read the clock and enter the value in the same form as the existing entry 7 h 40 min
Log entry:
5 h 49 min
